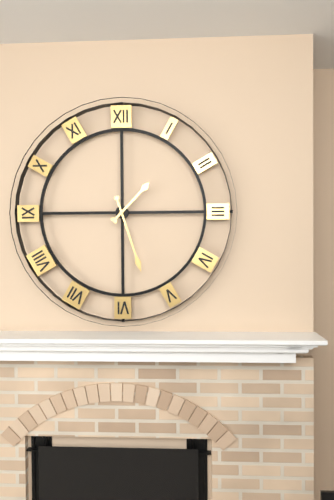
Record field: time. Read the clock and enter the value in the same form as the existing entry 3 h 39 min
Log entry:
1 h 27 min
